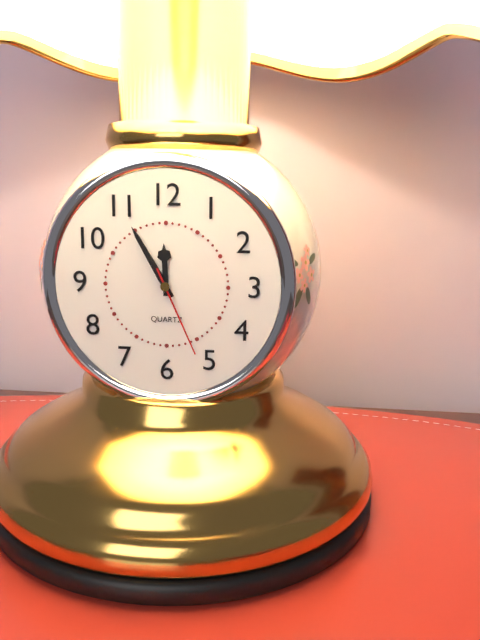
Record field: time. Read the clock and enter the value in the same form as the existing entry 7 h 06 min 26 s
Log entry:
11 h 55 min 26 s
